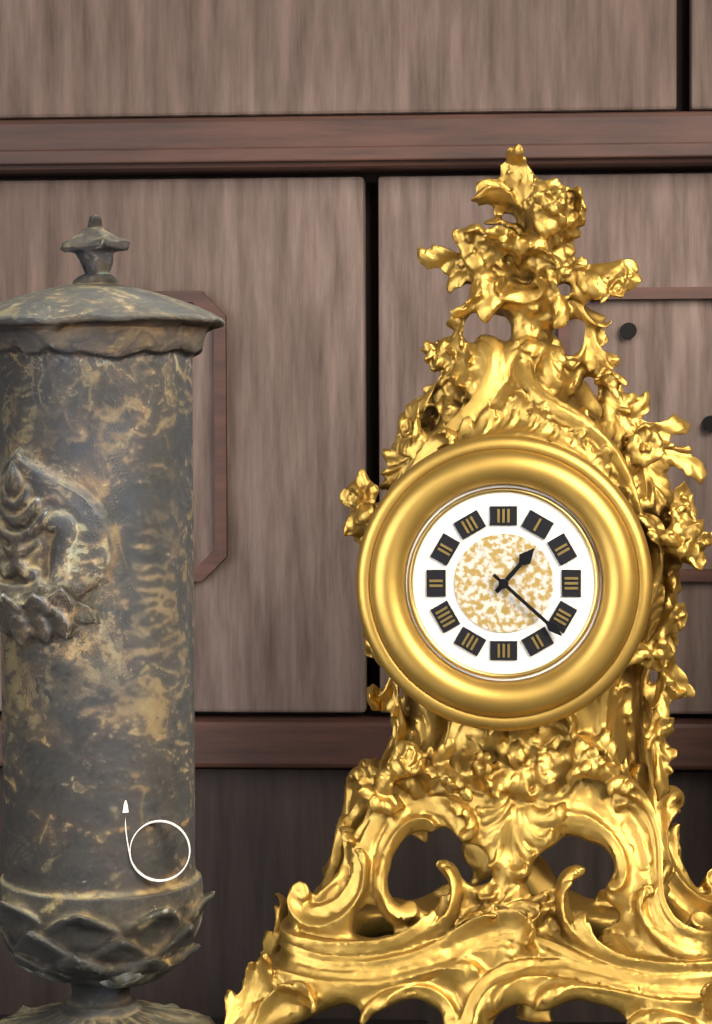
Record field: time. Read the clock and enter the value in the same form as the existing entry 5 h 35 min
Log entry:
1 h 22 min
